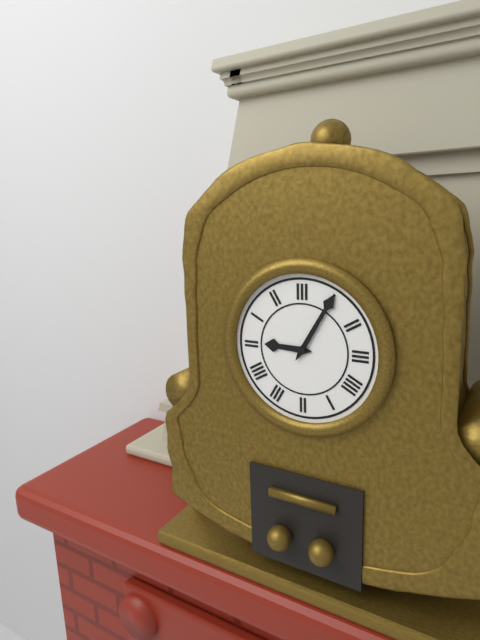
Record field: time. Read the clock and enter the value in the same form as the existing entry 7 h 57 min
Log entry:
9 h 05 min
